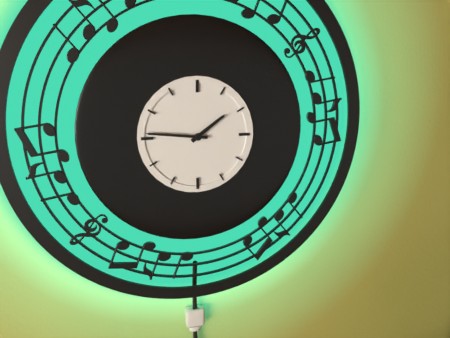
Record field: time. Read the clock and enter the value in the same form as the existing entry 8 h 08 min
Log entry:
1 h 46 min
